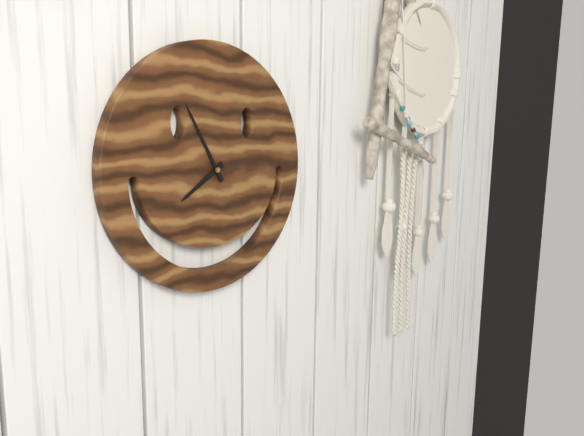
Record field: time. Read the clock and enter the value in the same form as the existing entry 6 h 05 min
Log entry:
7 h 55 min
